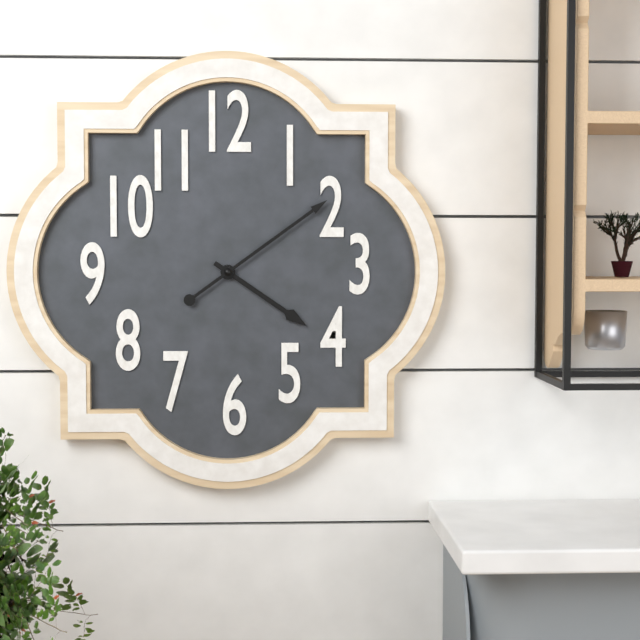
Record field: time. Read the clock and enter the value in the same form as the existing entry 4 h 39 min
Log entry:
4 h 09 min
